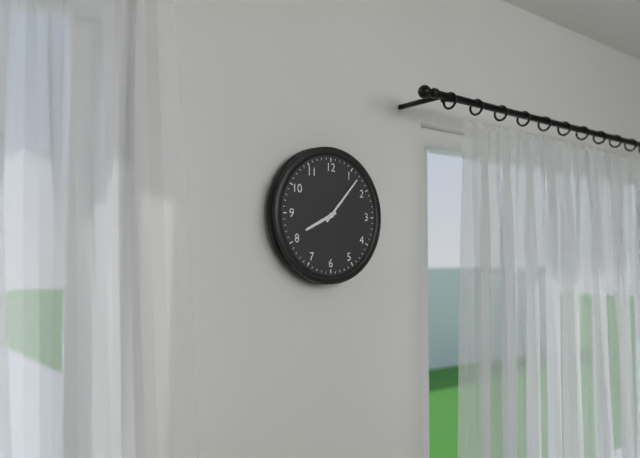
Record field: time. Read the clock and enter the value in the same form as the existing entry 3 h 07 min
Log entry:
8 h 07 min
